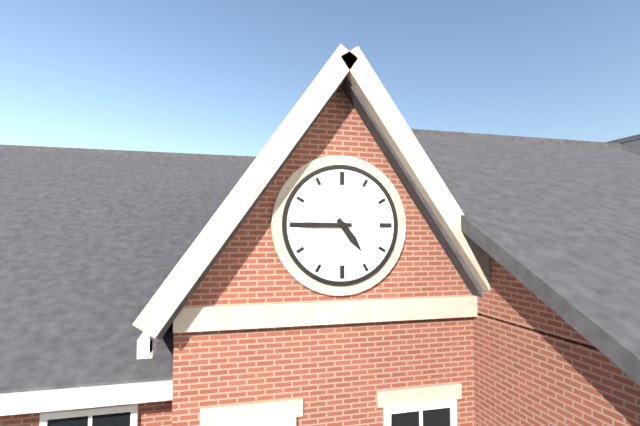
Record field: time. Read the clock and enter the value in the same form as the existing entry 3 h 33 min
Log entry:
4 h 45 min
